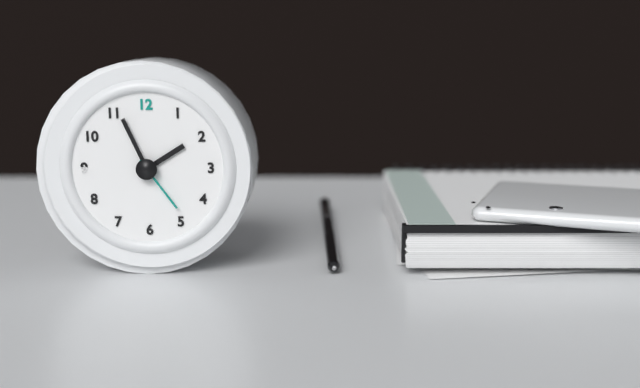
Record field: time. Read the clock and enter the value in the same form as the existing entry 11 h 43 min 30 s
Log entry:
1 h 56 min 24 s
